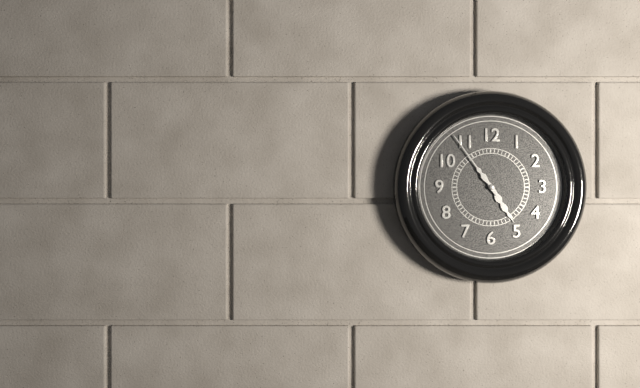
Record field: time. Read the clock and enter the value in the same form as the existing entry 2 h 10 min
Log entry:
4 h 54 min
